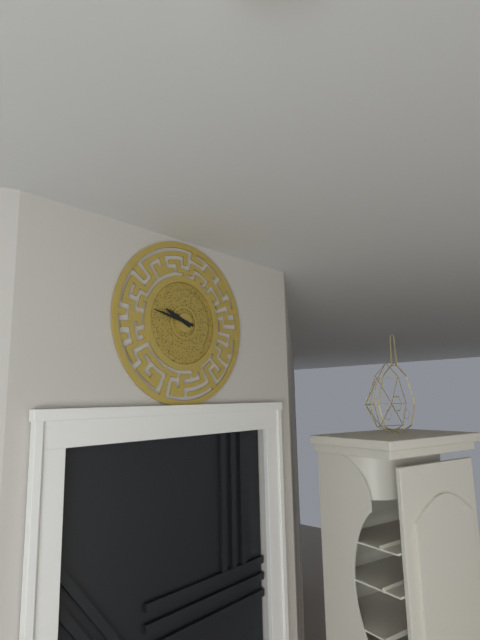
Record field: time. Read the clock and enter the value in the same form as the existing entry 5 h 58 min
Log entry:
9 h 47 min
